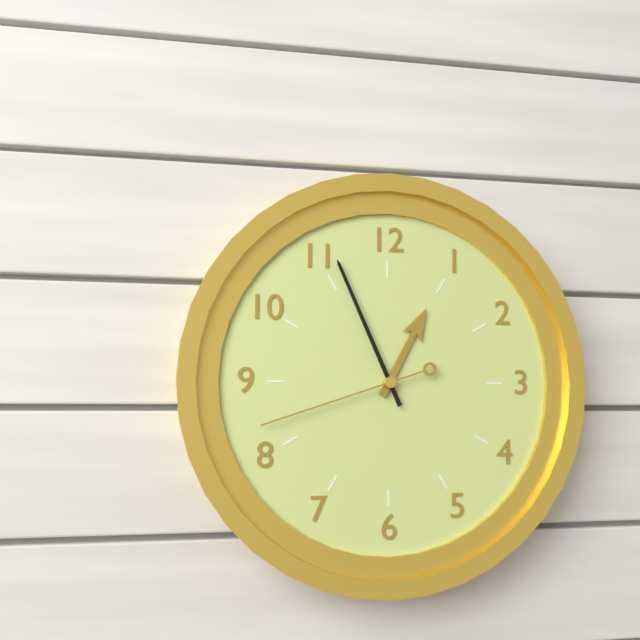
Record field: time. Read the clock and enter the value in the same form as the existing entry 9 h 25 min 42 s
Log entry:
12 h 56 min 42 s
